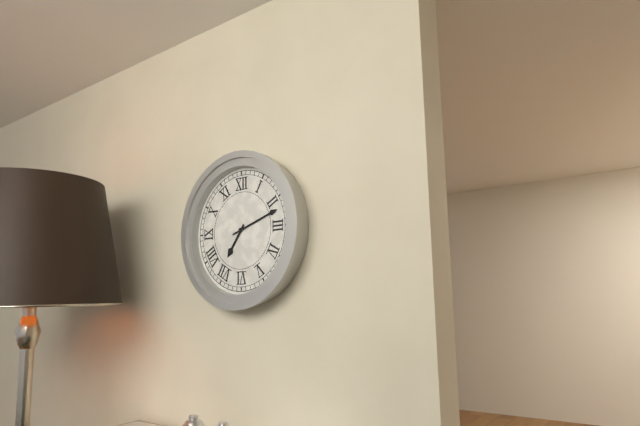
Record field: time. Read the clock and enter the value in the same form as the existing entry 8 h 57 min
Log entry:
7 h 12 min
